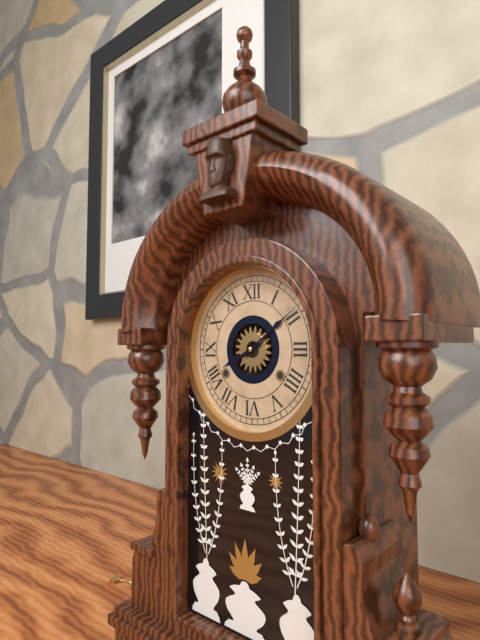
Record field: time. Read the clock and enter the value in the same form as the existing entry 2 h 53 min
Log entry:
8 h 09 min
